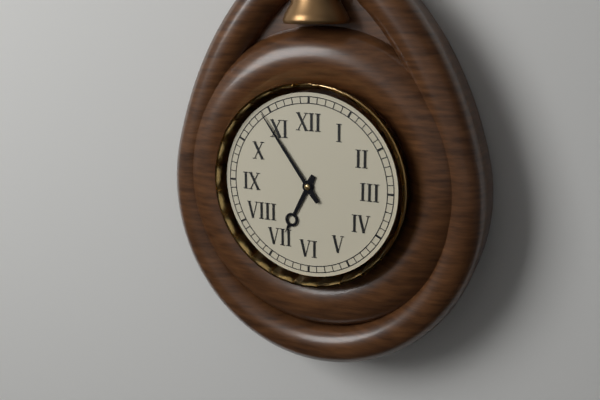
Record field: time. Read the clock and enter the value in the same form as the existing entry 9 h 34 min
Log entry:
6 h 54 min
